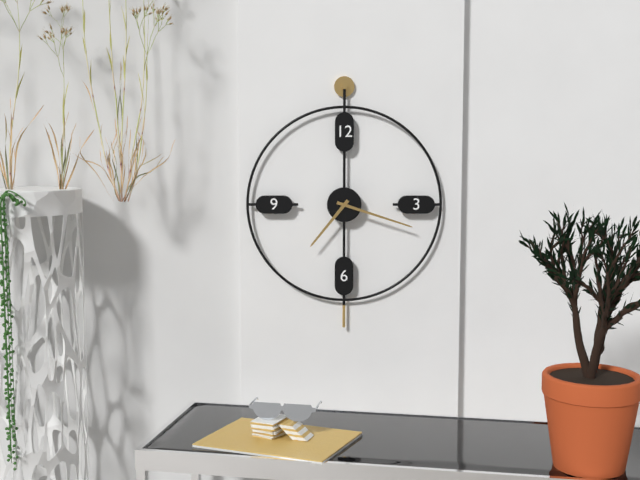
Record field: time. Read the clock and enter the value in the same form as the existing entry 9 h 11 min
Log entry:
7 h 18 min
